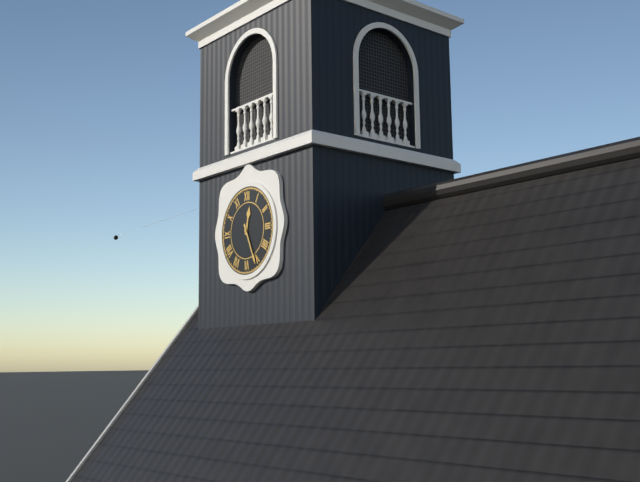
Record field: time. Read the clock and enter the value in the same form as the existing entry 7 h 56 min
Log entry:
12 h 26 min
